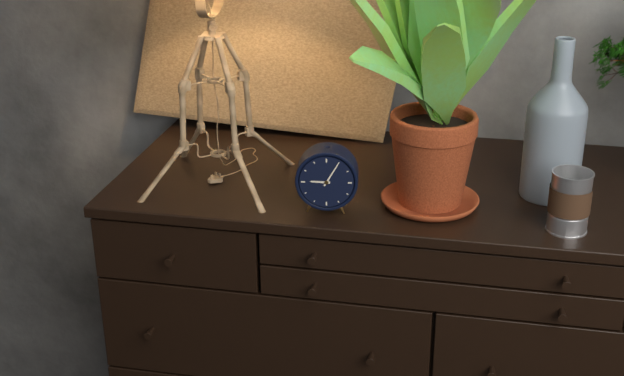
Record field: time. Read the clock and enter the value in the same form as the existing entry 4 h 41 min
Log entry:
9 h 05 min
